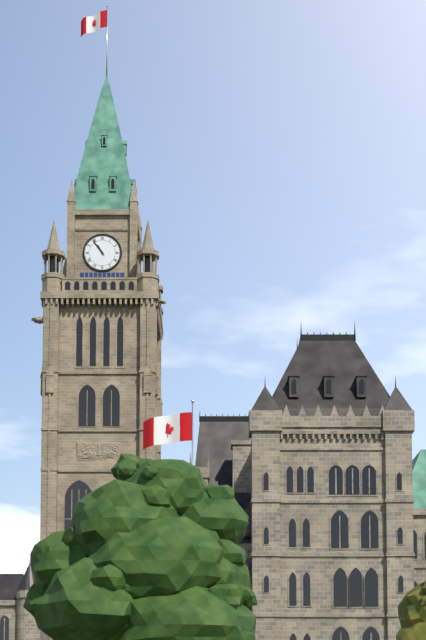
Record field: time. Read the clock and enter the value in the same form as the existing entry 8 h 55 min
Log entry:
10 h 54 min
